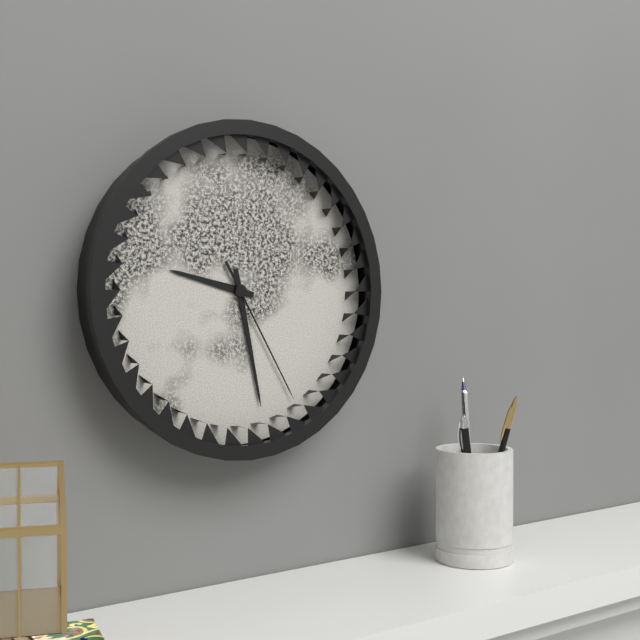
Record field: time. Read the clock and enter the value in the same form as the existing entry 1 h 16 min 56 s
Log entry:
9 h 28 min 25 s
